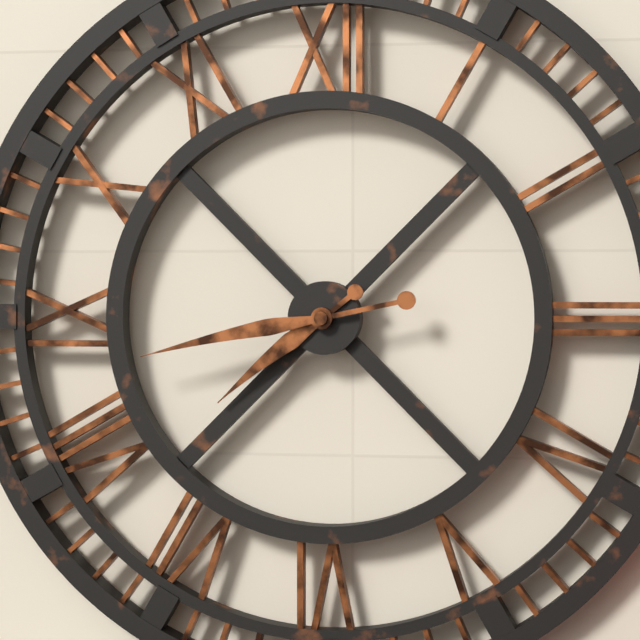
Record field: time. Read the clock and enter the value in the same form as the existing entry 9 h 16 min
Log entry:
7 h 43 min
